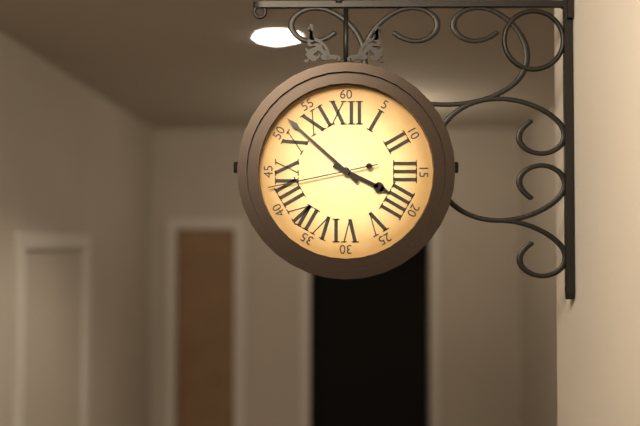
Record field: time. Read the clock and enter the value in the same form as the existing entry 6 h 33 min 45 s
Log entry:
3 h 52 min 43 s
